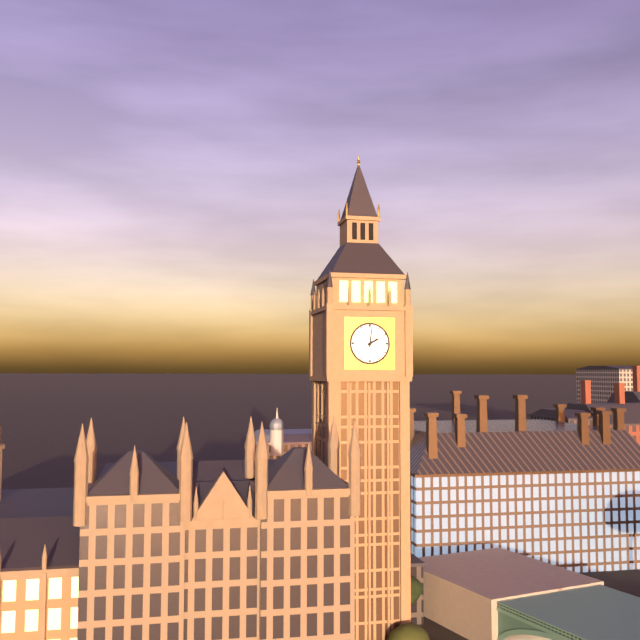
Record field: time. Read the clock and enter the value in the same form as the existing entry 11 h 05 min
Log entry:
2 h 01 min
